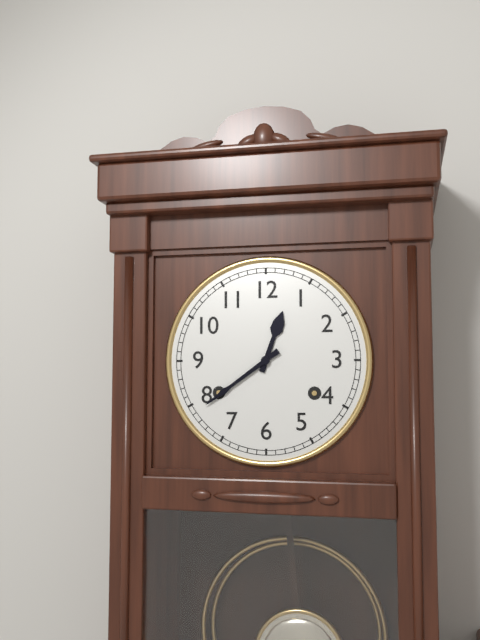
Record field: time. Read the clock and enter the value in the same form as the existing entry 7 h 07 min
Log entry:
12 h 39 min
